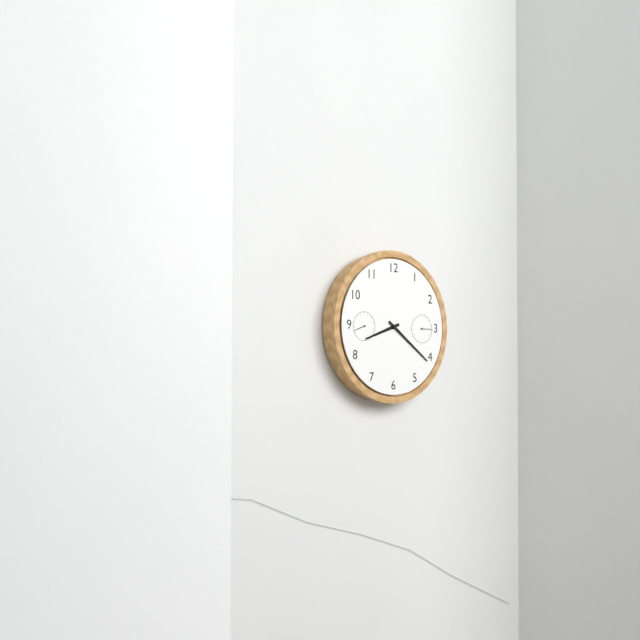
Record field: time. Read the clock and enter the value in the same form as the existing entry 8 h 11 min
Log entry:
8 h 21 min
